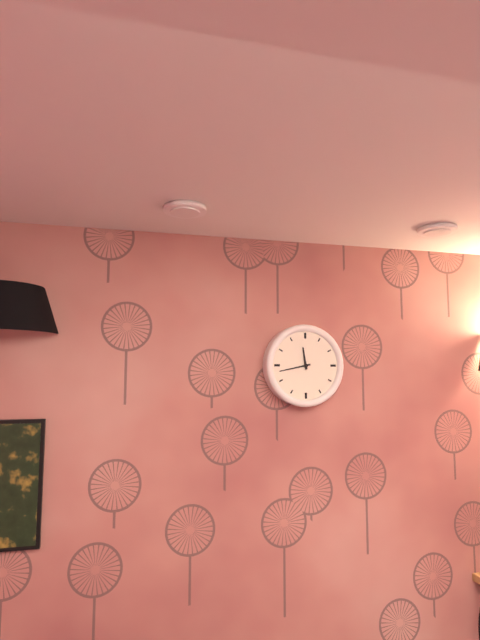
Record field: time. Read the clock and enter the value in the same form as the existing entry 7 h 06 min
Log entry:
11 h 43 min
